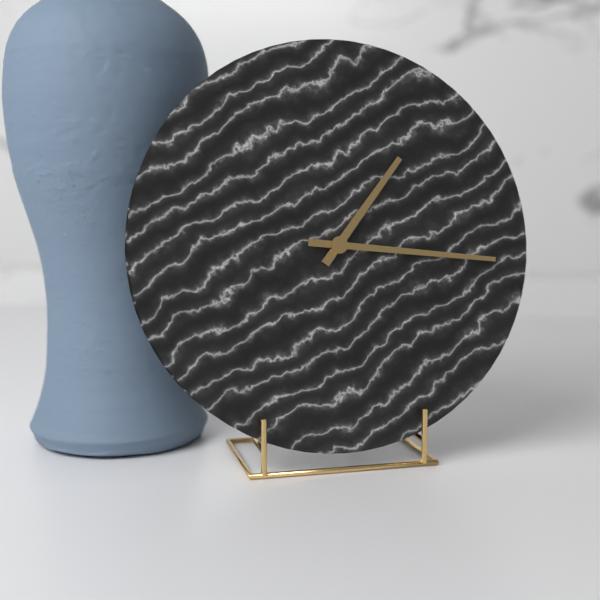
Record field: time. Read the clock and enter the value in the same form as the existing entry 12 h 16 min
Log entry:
1 h 16 min
